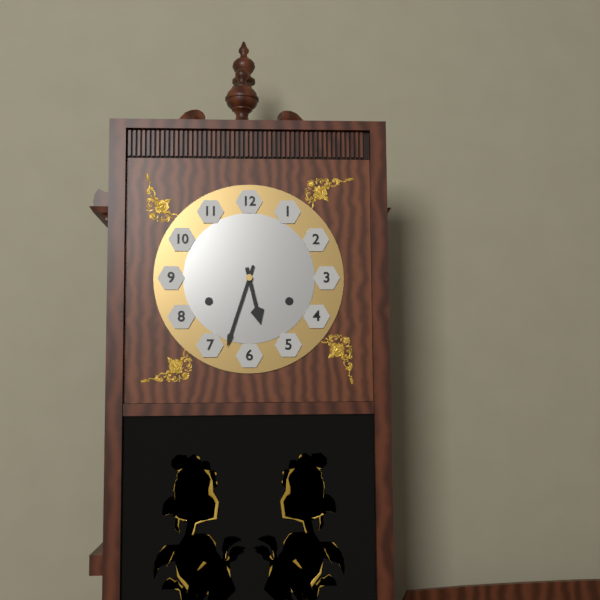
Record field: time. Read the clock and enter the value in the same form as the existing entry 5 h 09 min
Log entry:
5 h 33 min
